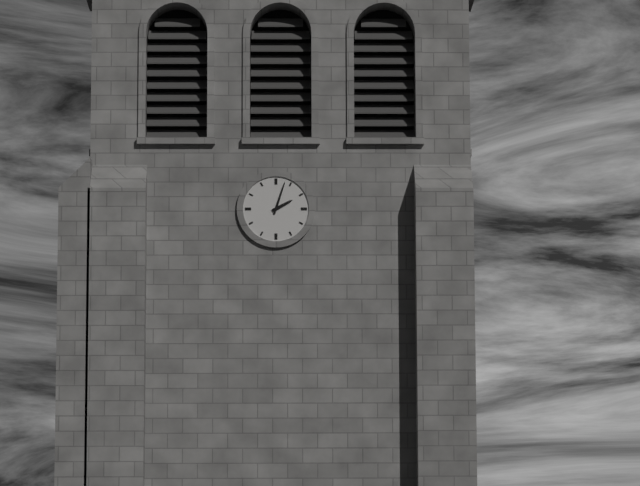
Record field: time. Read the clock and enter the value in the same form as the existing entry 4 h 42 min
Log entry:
2 h 03 min
